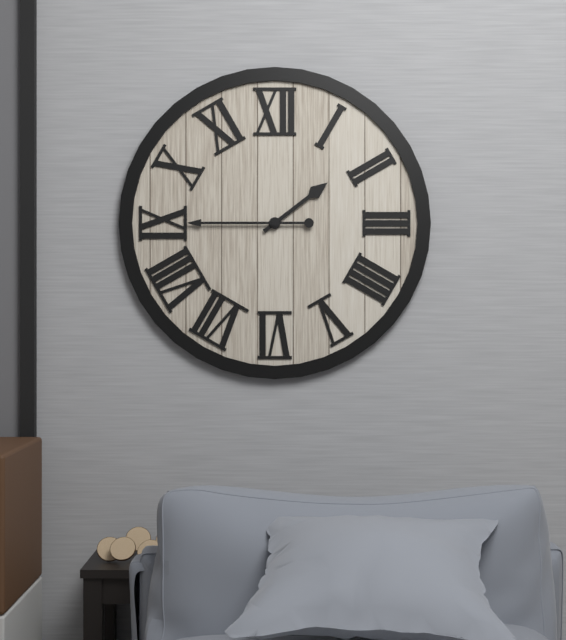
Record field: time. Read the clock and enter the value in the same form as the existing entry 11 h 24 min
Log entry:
1 h 45 min
